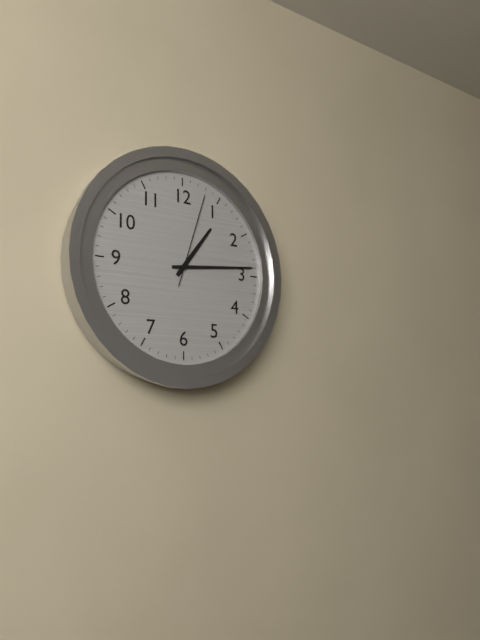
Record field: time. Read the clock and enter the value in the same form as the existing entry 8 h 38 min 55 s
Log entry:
1 h 14 min 03 s
